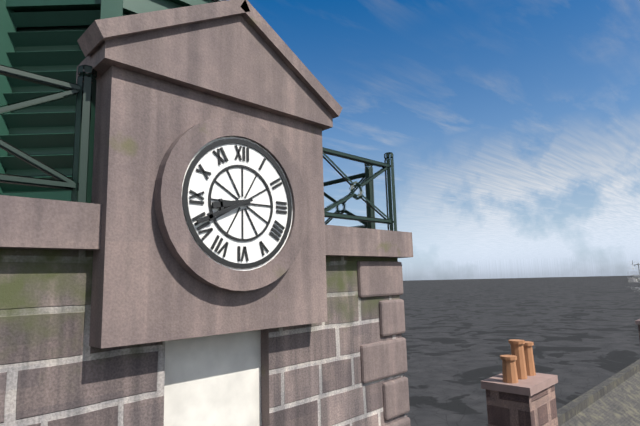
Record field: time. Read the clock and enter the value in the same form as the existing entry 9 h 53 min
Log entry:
8 h 41 min
